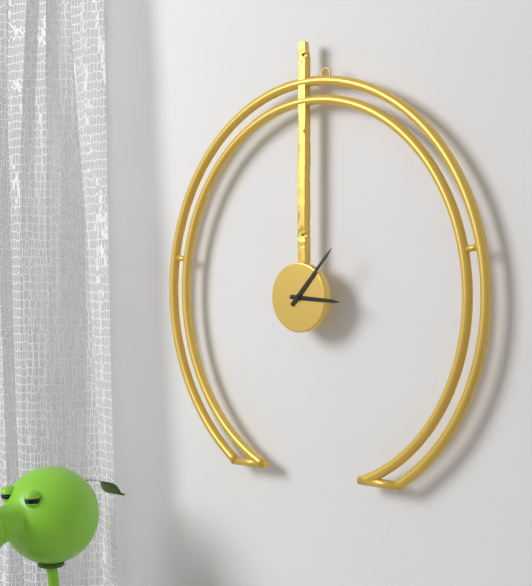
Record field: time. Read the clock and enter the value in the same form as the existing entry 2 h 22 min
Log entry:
3 h 07 min
